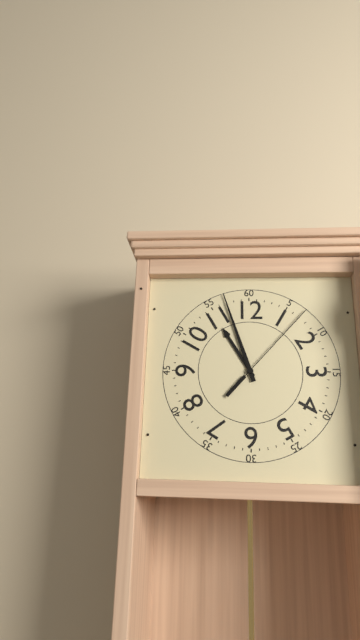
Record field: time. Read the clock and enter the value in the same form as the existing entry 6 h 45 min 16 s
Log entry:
10 h 57 min 07 s
